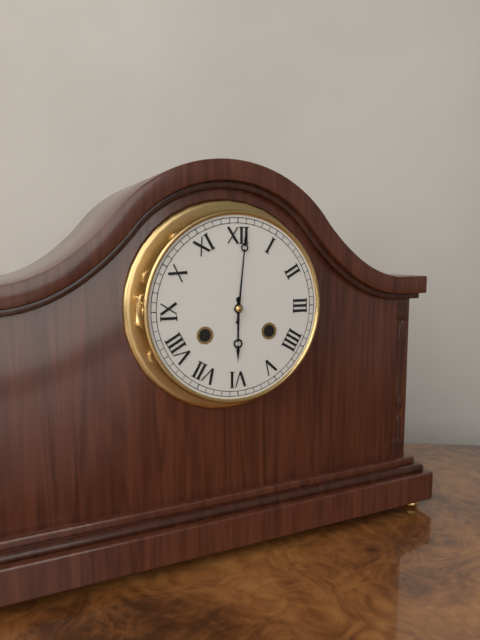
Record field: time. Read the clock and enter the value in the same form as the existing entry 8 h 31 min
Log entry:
6 h 01 min
